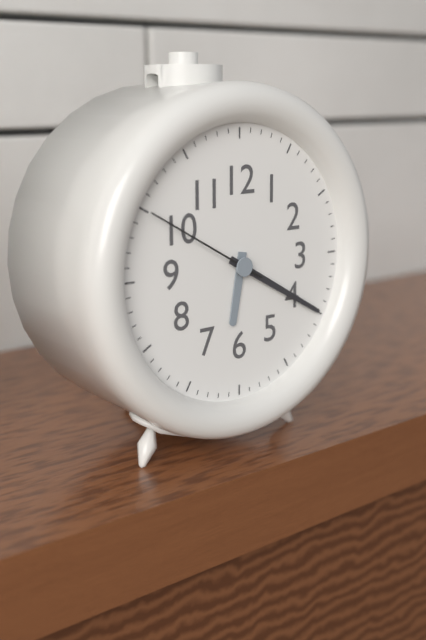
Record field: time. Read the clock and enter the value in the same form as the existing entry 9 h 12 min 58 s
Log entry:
6 h 20 min 50 s
